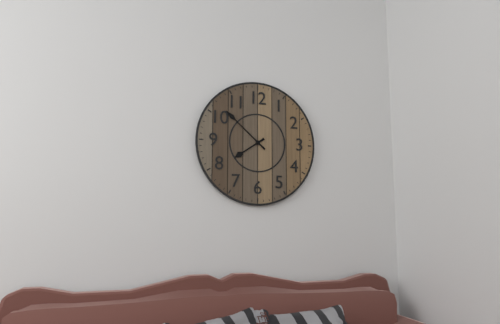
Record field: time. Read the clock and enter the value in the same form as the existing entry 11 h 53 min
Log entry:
7 h 52 min
